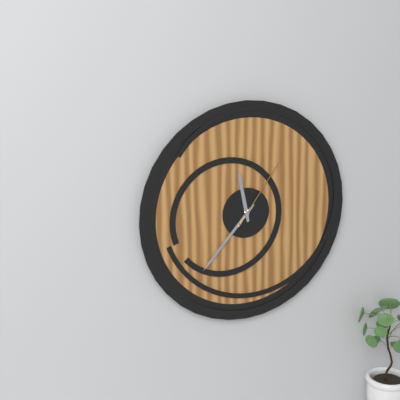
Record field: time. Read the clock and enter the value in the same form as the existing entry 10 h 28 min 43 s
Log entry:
11 h 37 min 06 s
